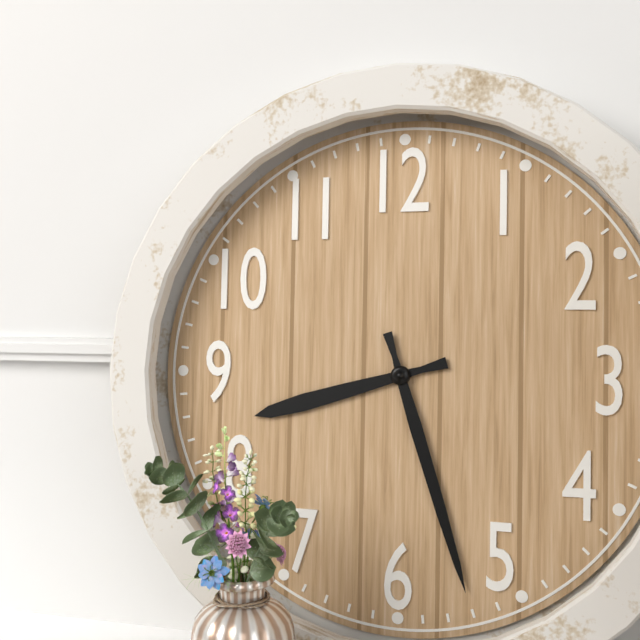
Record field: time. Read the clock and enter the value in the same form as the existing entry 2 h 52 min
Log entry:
8 h 27 min
